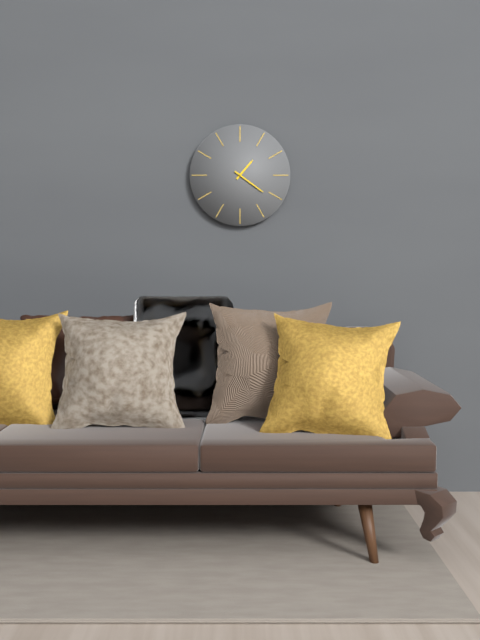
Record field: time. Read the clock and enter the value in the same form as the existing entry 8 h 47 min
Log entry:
1 h 21 min
